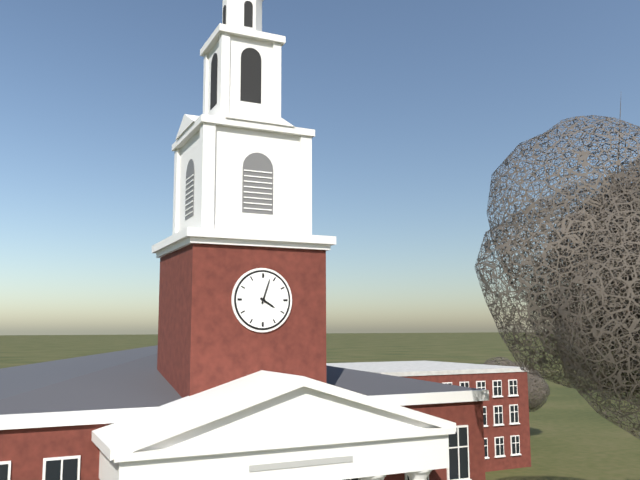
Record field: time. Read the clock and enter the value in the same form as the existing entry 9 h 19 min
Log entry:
4 h 03 min
